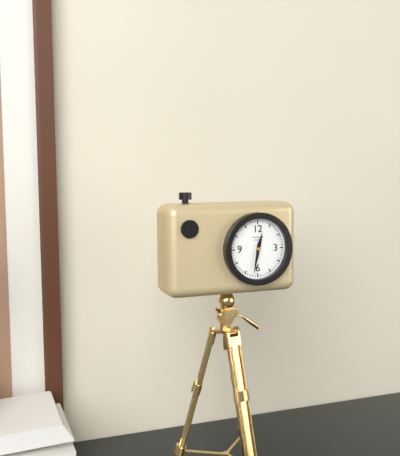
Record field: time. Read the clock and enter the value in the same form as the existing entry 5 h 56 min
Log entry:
12 h 32 min
